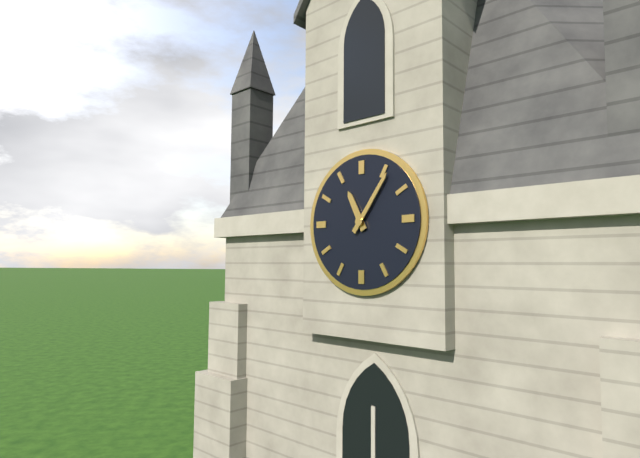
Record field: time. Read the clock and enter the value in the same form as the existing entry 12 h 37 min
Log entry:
11 h 06 min
